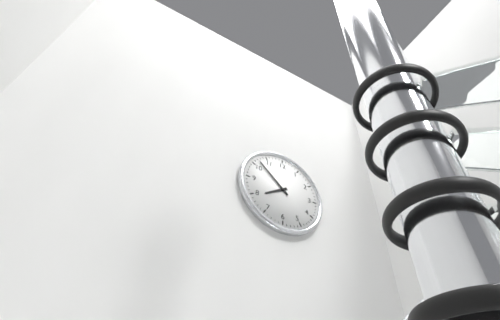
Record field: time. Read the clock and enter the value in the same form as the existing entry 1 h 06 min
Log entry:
7 h 52 min
